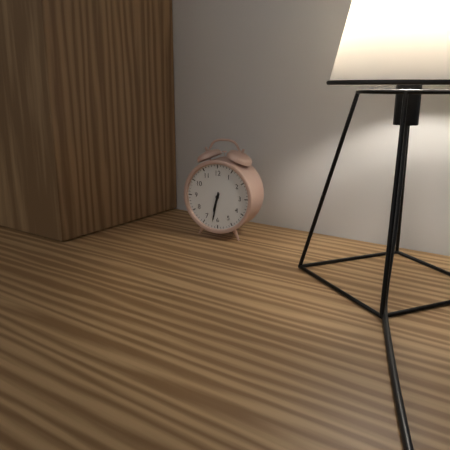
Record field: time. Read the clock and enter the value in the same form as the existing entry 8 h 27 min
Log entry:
6 h 32 min
